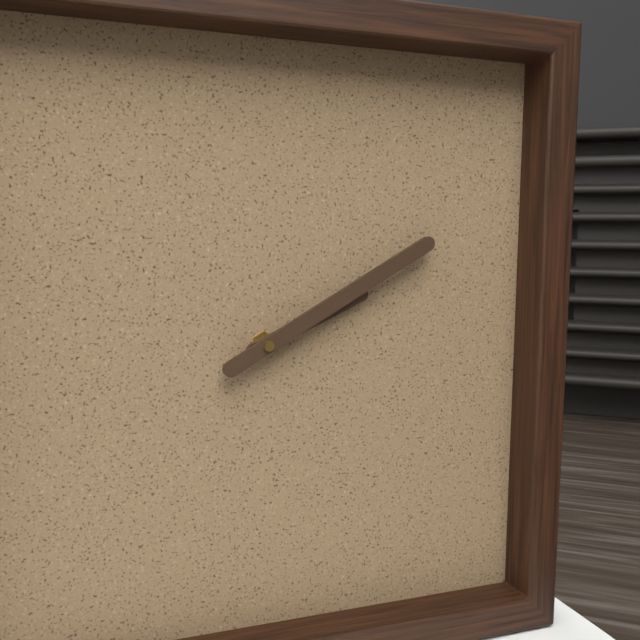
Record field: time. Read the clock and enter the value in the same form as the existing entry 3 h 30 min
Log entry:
2 h 10 min
